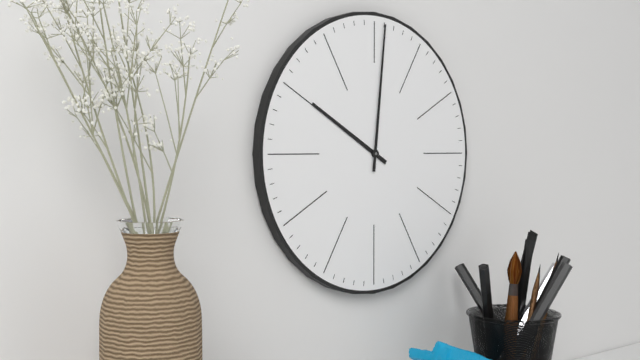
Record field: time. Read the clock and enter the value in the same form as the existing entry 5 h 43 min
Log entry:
10 h 01 min
